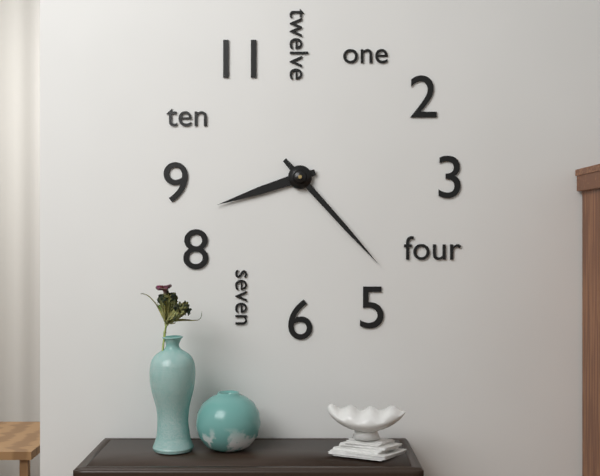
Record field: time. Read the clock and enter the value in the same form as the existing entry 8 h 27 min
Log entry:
8 h 23 min
